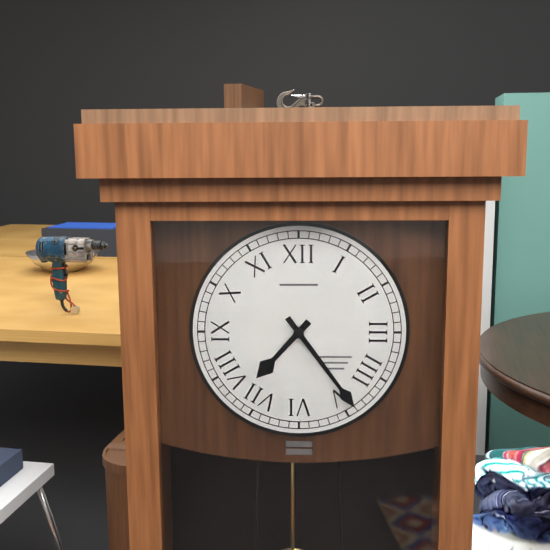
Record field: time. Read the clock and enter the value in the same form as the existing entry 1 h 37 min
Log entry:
7 h 24 min
